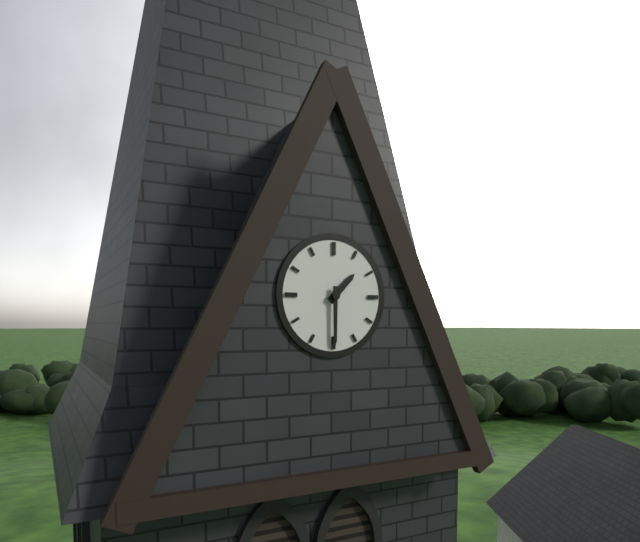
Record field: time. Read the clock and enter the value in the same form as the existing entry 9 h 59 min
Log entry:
1 h 30 min
